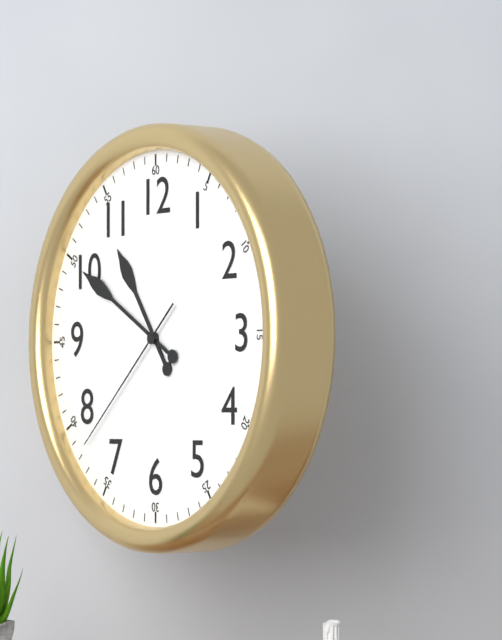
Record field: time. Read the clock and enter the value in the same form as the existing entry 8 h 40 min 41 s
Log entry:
10 h 50 min 38 s
